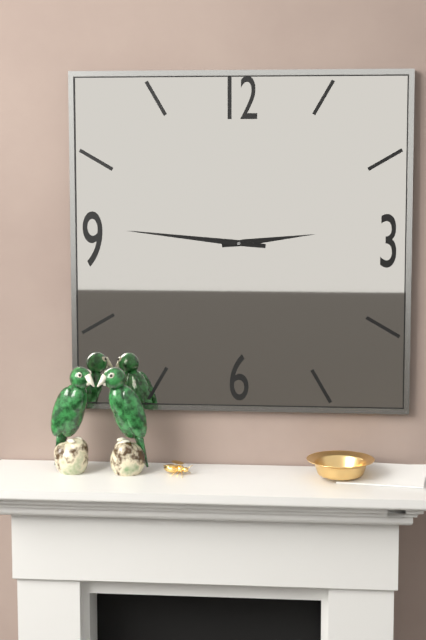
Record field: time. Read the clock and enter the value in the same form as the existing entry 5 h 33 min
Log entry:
2 h 46 min
